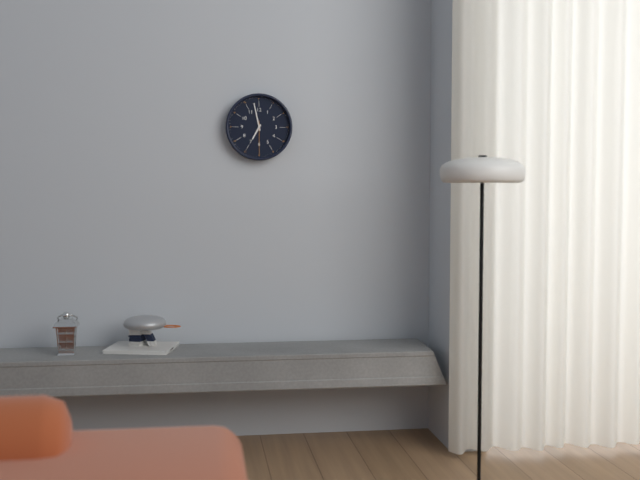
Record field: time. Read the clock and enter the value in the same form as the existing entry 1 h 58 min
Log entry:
6 h 58 min
